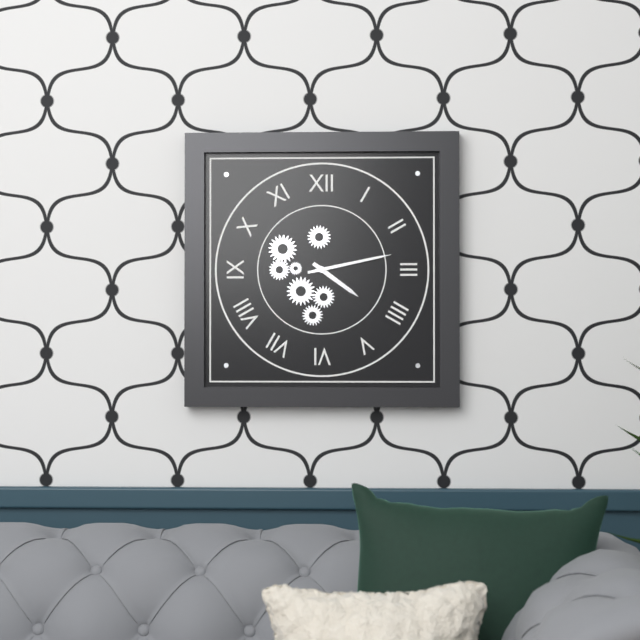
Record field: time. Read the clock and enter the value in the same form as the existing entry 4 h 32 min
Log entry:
4 h 13 min
